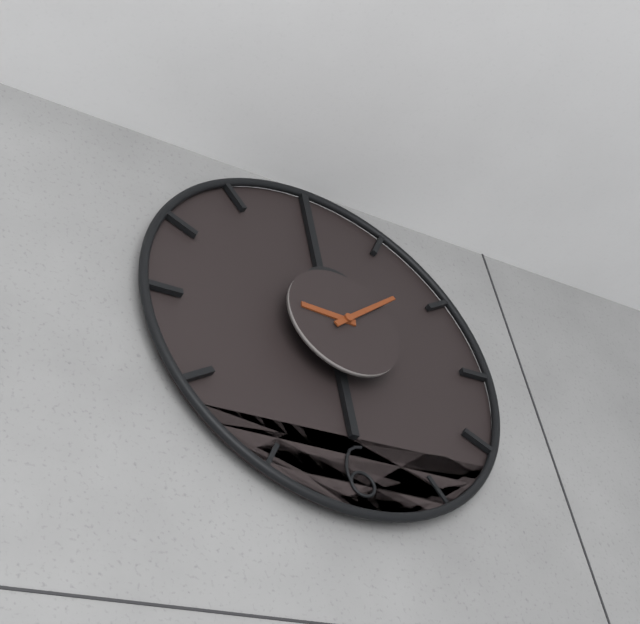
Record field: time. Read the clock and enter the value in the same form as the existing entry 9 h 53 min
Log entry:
9 h 09 min
